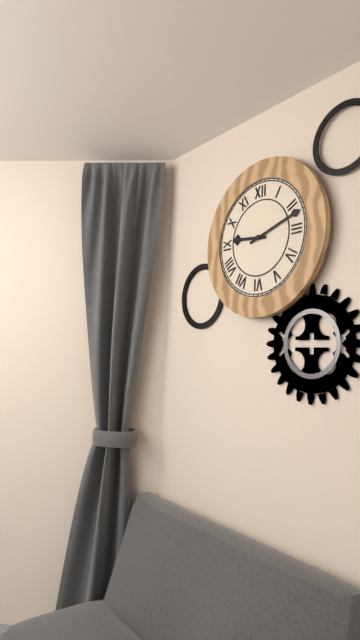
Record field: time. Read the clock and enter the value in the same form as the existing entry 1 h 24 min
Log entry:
9 h 12 min
